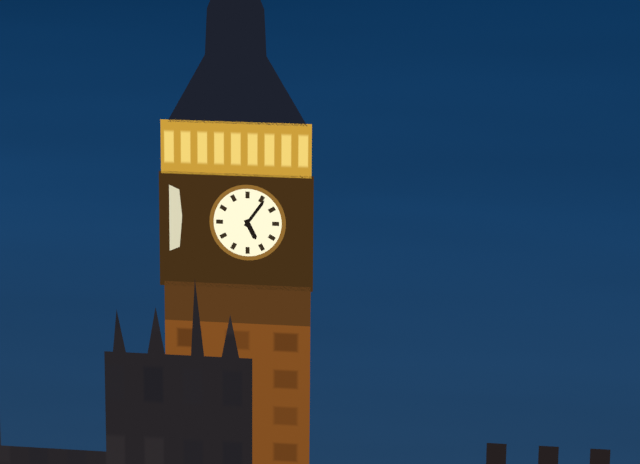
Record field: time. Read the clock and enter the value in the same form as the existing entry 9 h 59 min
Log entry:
5 h 06 min
